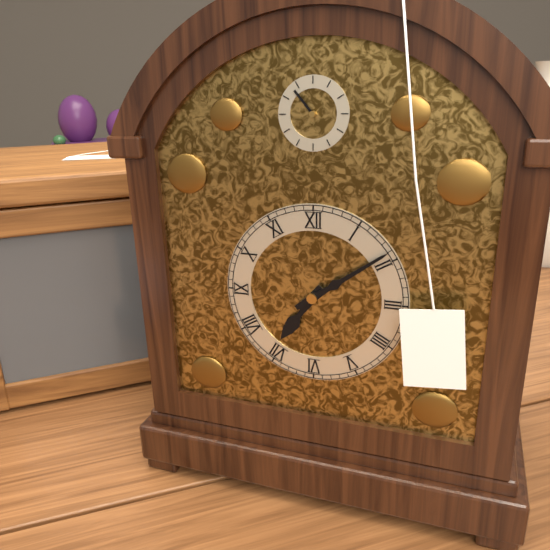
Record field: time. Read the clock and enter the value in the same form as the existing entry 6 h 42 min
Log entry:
7 h 09 min
